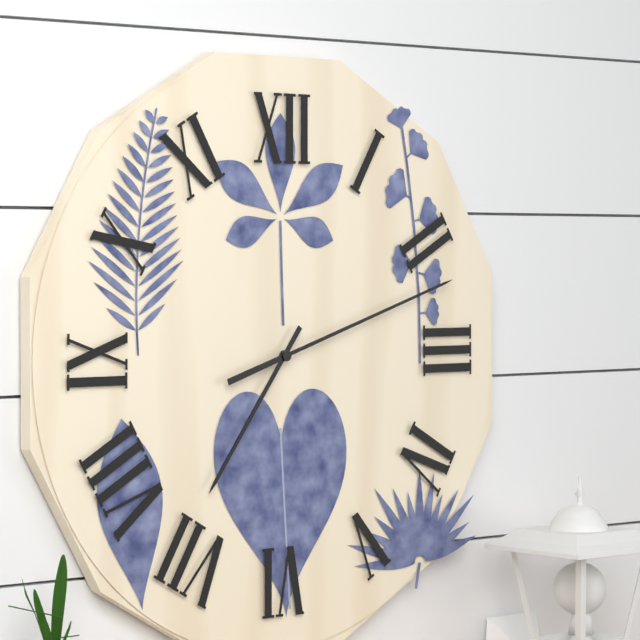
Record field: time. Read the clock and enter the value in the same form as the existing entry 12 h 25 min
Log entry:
7 h 12 min
